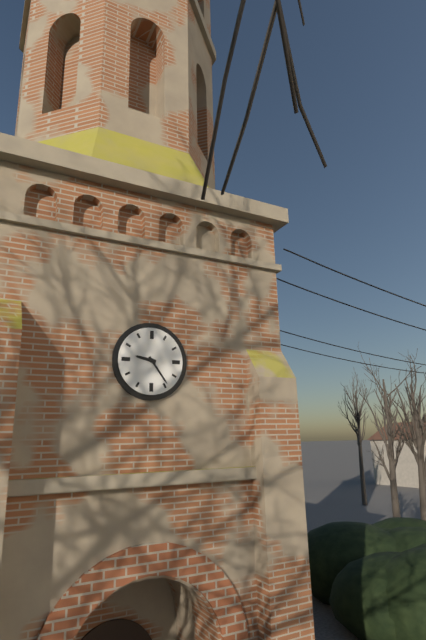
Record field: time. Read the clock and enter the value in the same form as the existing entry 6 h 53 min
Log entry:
9 h 24 min
